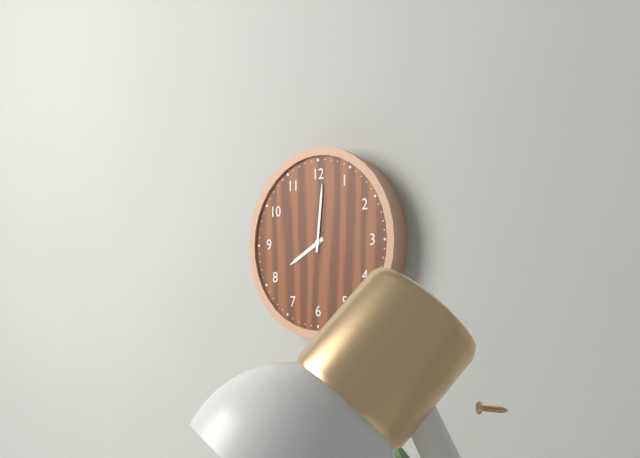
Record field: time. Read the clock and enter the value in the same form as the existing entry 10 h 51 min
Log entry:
8 h 01 min
